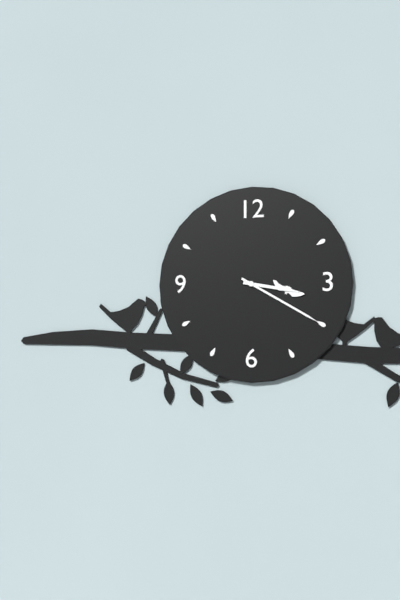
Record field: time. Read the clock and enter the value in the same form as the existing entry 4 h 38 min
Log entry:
3 h 20 min
